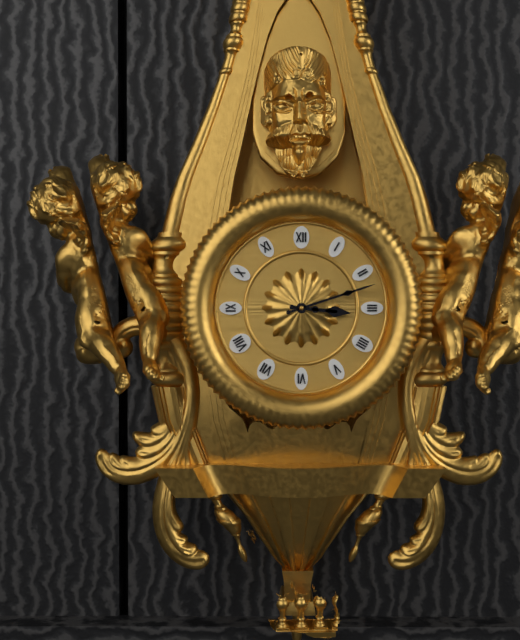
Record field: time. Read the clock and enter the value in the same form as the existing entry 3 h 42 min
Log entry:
3 h 12 min
